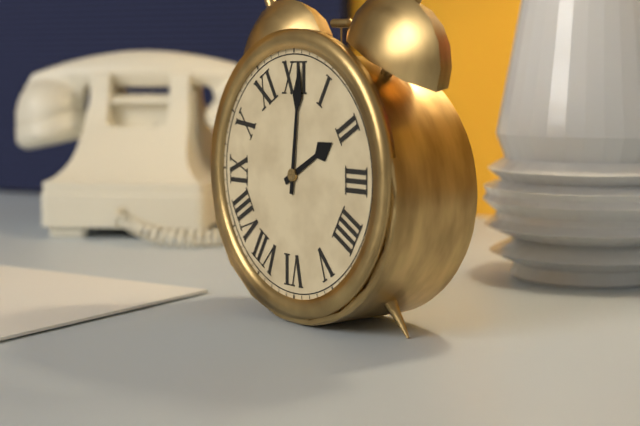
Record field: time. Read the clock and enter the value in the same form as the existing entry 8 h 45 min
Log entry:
2 h 01 min
